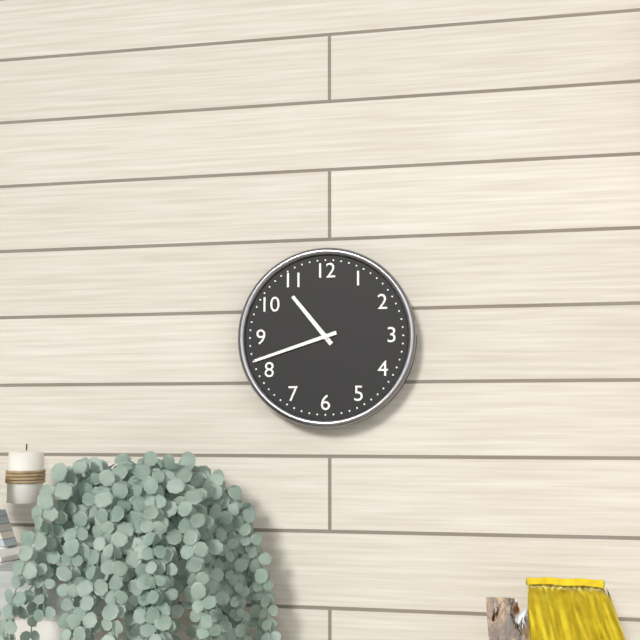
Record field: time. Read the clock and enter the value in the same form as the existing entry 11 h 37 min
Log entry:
10 h 42 min
